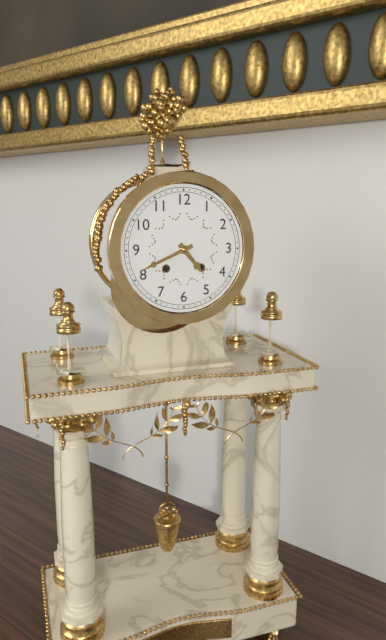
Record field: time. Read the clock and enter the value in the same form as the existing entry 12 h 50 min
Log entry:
4 h 41 min
